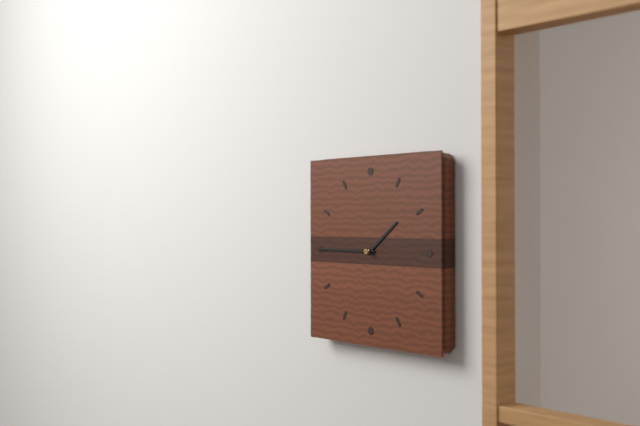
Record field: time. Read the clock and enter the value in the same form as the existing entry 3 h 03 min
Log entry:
1 h 45 min
